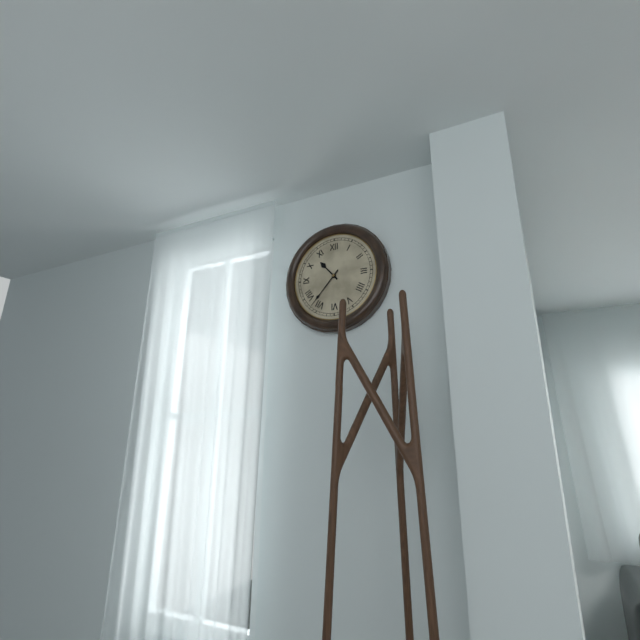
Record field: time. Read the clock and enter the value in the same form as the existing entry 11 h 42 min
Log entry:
10 h 37 min
